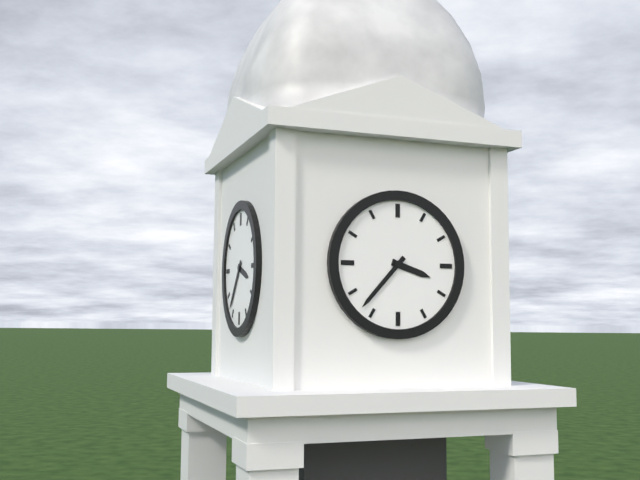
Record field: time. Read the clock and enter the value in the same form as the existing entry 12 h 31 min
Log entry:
3 h 37 min
